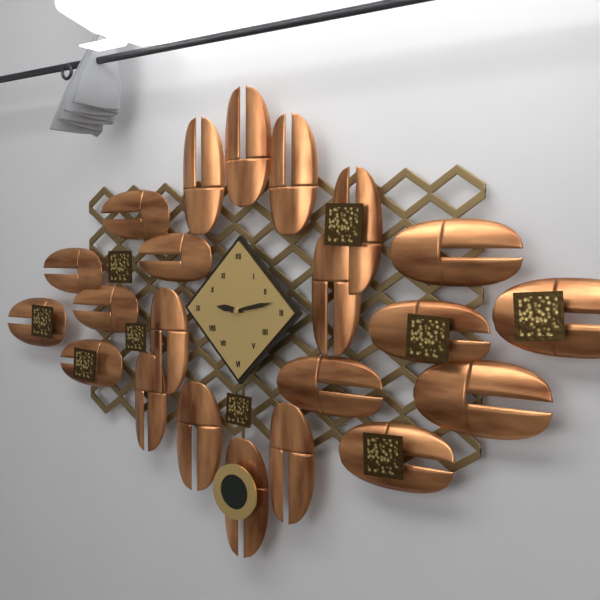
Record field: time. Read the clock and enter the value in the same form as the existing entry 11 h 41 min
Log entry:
9 h 13 min
